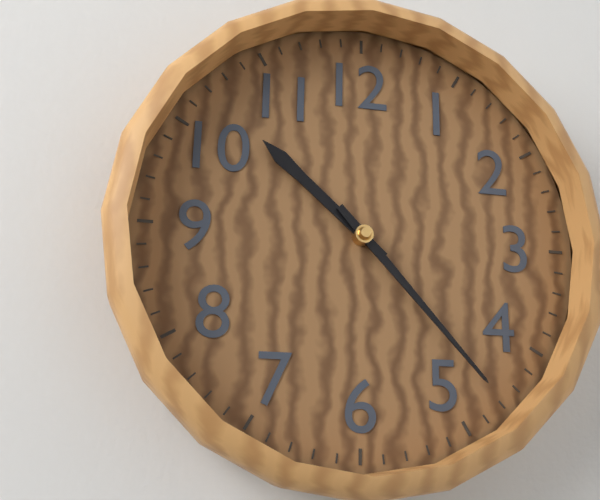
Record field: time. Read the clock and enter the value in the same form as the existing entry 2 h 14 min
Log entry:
10 h 23 min
